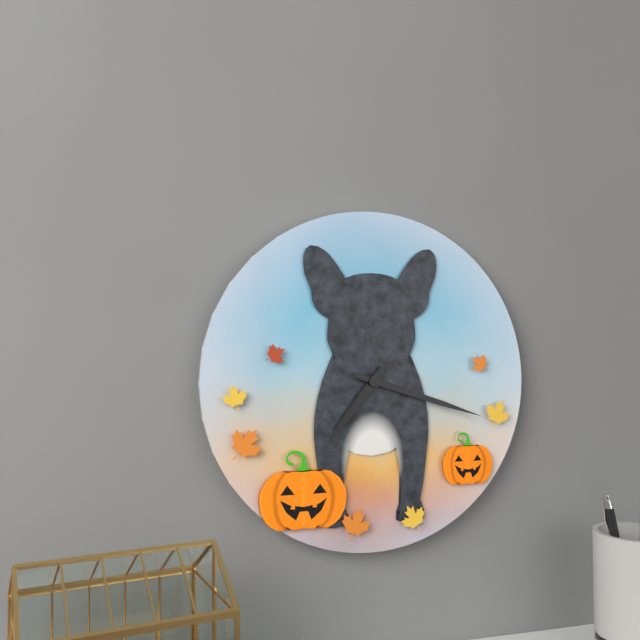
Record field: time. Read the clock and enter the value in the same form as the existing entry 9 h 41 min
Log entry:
7 h 18 min
